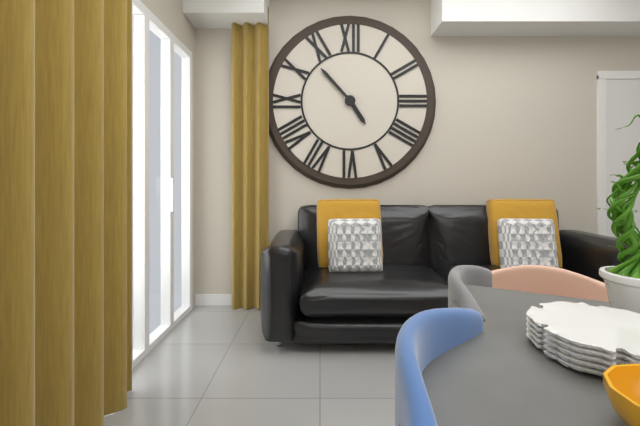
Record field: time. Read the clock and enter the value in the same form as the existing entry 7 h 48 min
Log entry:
4 h 53 min
